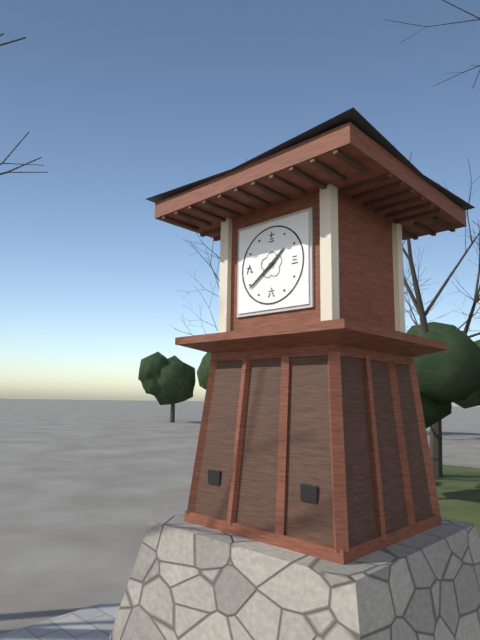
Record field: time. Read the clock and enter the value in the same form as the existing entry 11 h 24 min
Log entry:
1 h 39 min
